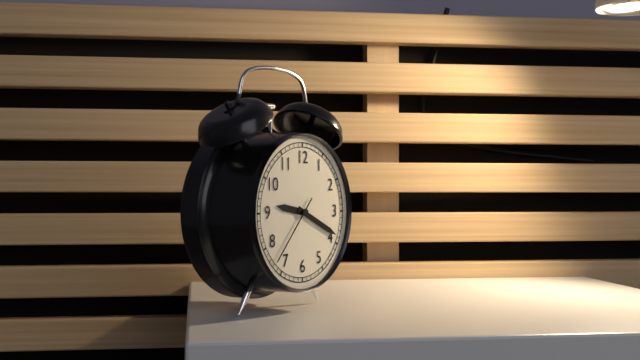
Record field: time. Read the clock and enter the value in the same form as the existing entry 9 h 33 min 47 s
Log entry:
9 h 19 min 37 s
